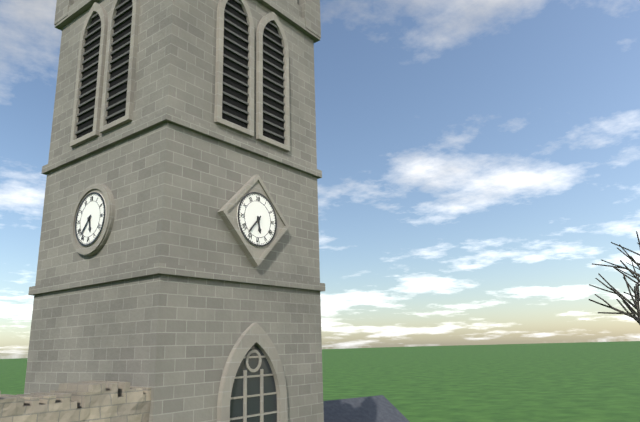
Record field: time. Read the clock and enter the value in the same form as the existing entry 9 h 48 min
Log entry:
5 h 37 min
